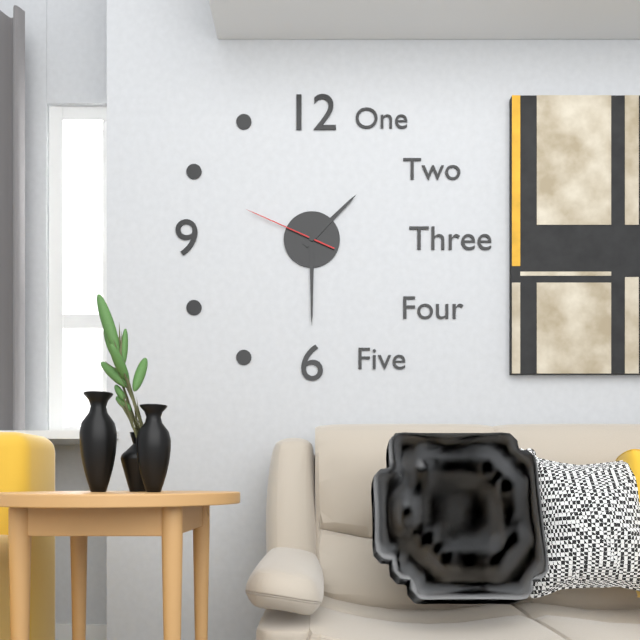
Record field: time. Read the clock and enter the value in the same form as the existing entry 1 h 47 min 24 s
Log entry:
1 h 30 min 49 s
